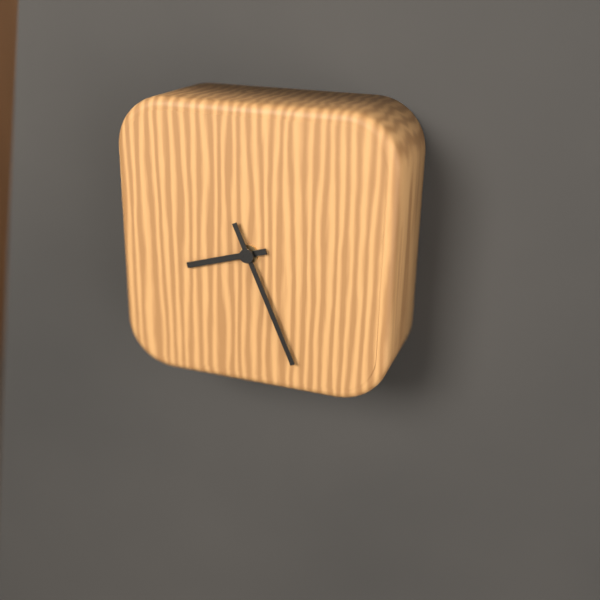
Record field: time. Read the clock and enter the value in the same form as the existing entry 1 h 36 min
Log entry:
8 h 26 min
